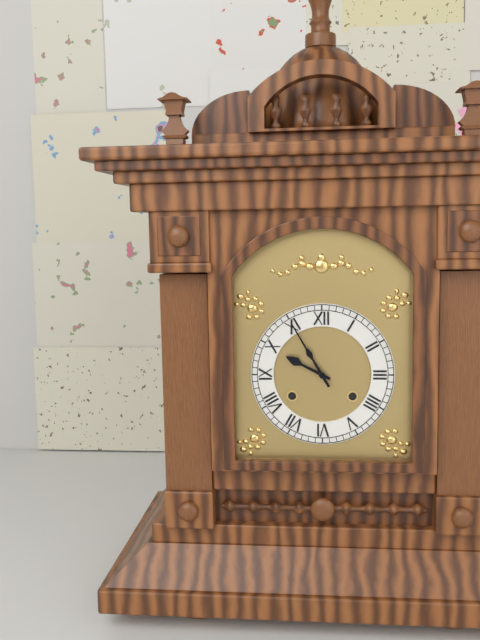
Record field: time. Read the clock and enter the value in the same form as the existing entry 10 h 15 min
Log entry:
9 h 55 min
